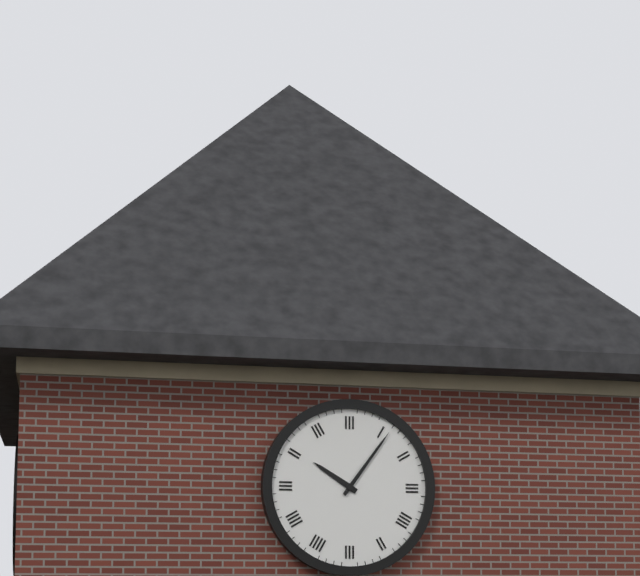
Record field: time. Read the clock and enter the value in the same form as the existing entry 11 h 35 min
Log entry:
10 h 06 min
